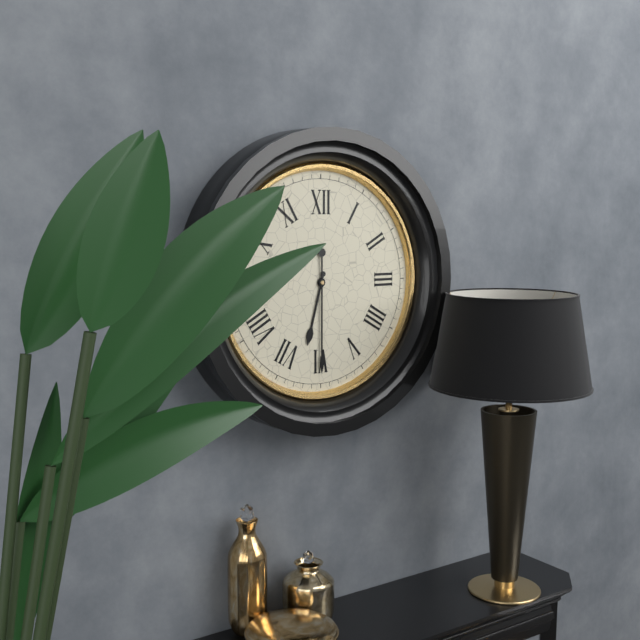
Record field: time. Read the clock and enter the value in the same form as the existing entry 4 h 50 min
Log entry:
6 h 30 min
